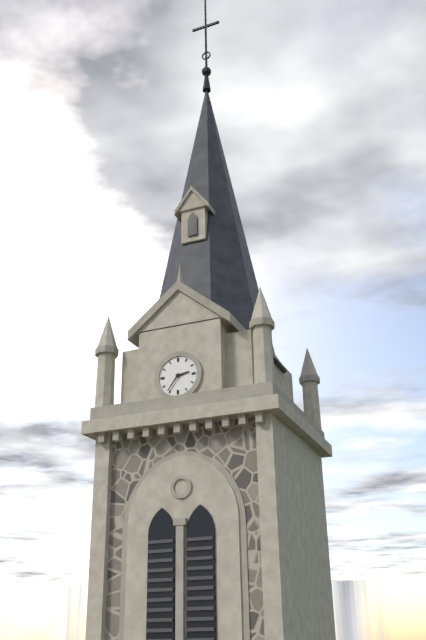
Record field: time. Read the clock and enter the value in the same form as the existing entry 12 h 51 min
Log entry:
2 h 36 min
